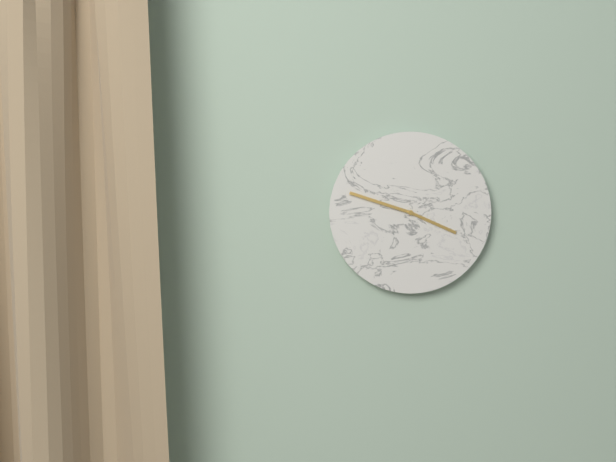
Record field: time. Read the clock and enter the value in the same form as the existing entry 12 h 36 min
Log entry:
3 h 48 min
